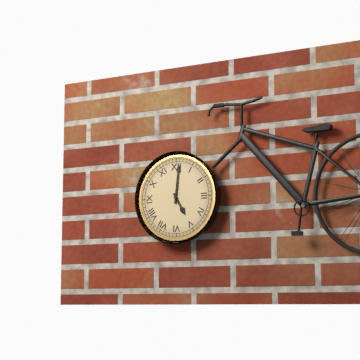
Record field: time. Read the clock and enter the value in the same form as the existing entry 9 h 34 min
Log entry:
5 h 01 min
